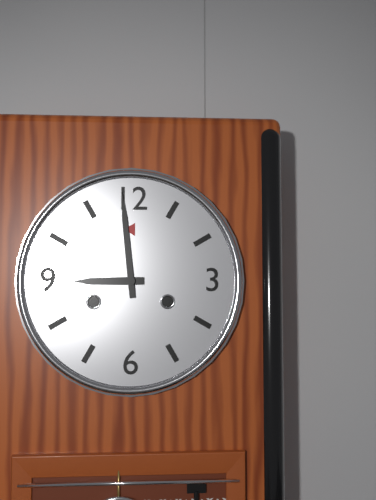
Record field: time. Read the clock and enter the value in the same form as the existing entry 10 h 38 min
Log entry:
8 h 59 min
